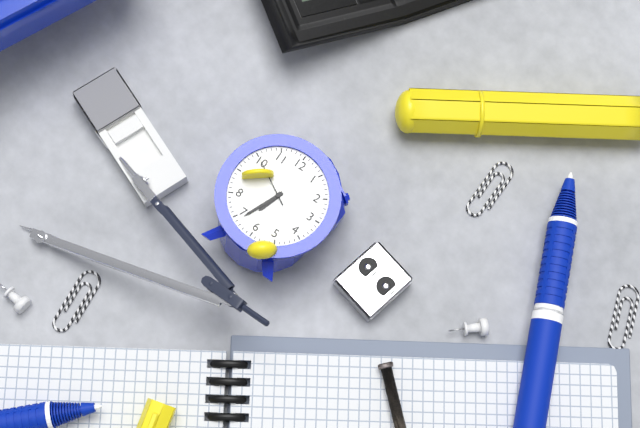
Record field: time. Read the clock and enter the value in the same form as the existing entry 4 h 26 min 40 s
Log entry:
6 h 34 min 50 s
